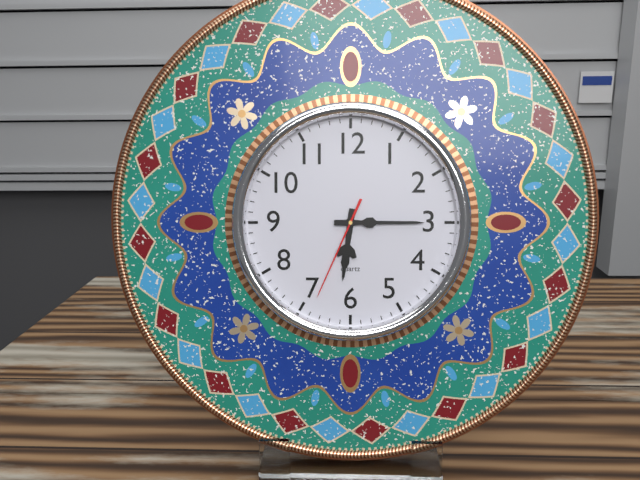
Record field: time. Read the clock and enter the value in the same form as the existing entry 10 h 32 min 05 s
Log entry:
6 h 15 min 34 s
